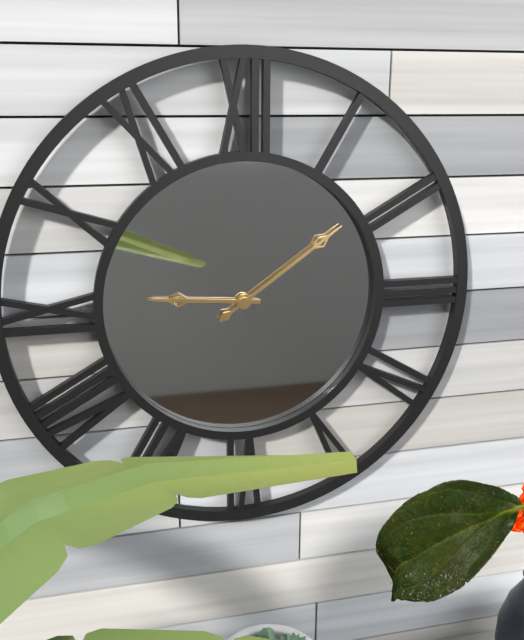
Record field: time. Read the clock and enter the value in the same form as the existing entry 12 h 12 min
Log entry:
9 h 09 min
